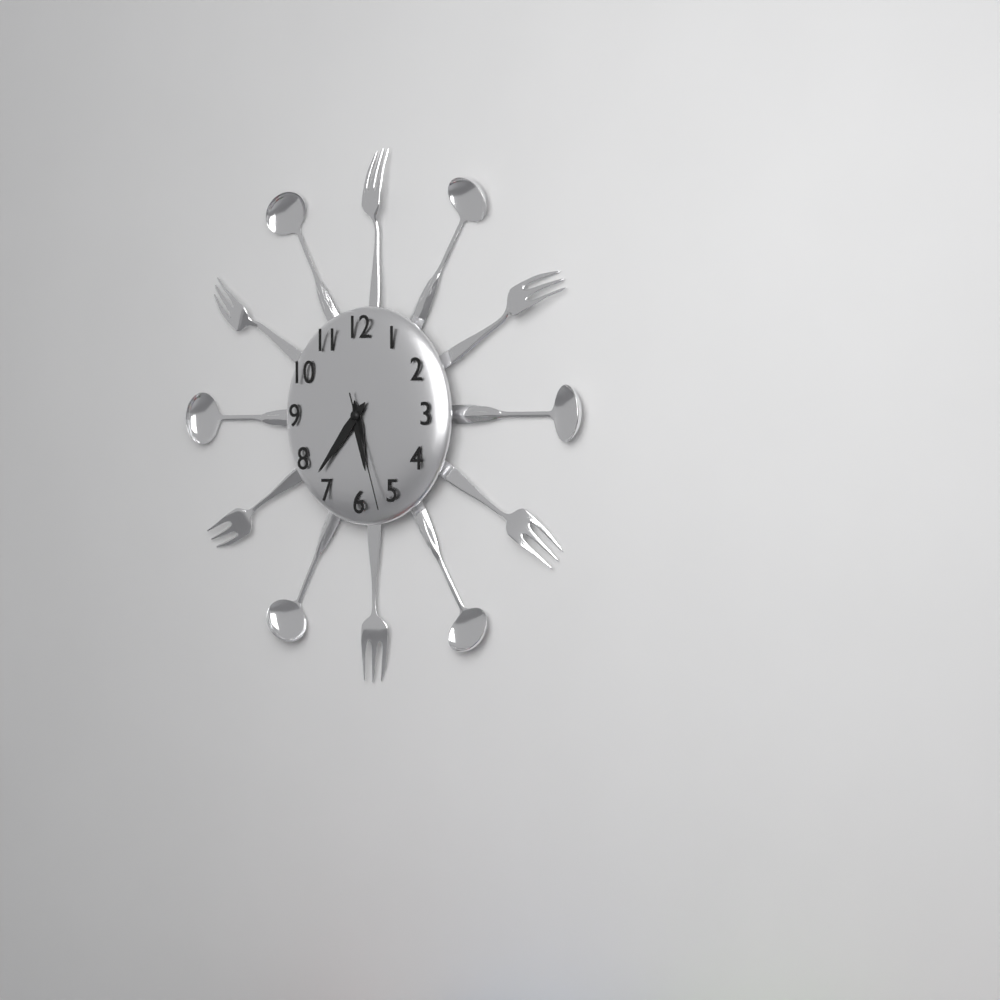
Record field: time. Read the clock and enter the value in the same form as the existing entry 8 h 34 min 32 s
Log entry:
5 h 37 min 27 s
